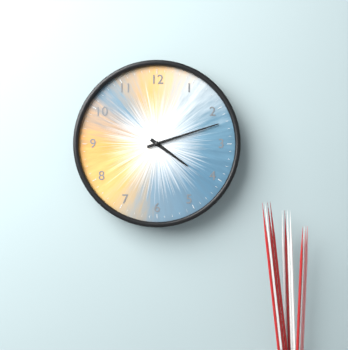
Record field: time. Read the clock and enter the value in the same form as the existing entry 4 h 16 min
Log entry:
4 h 12 min
